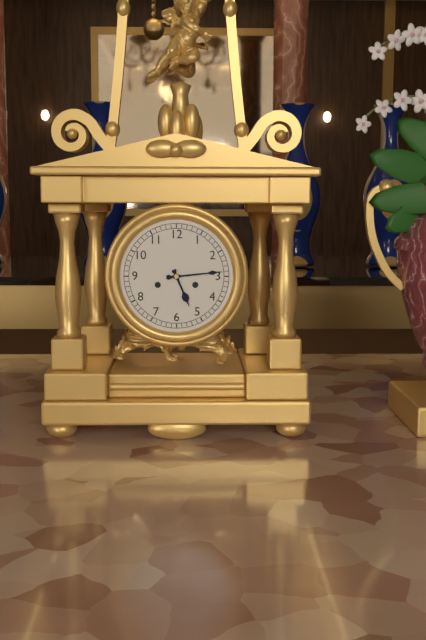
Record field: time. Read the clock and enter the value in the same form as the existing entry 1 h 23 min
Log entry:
5 h 14 min
